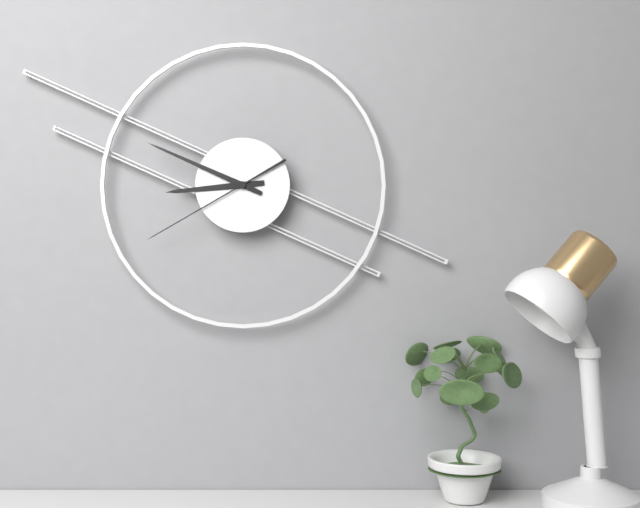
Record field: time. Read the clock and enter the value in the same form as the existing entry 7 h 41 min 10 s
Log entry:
8 h 49 min 40 s
